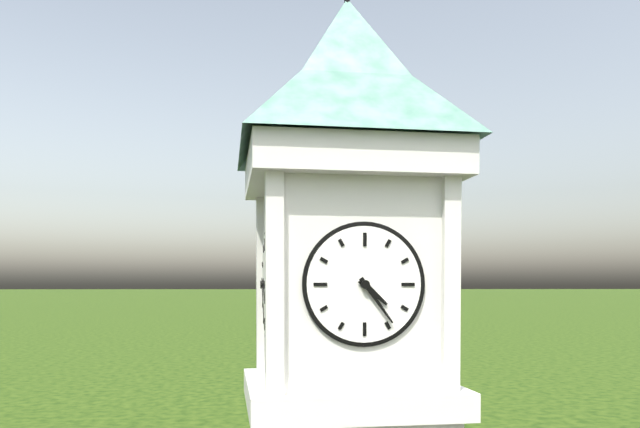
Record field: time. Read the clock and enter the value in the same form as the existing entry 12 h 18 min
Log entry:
4 h 24 min
